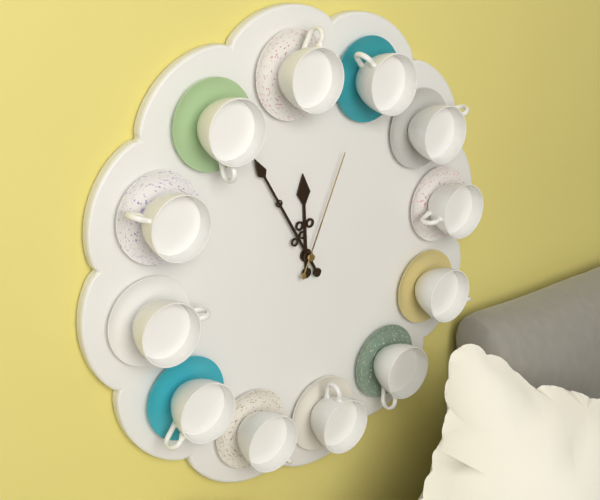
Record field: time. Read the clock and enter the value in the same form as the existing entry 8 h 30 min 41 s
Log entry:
11 h 55 min 04 s
